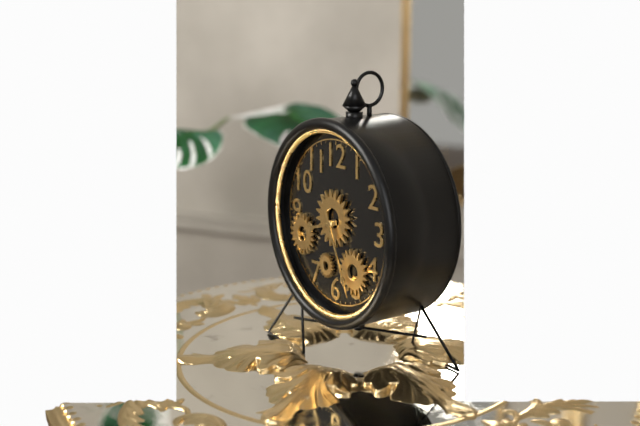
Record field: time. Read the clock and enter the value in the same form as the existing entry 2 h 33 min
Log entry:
8 h 26 min
